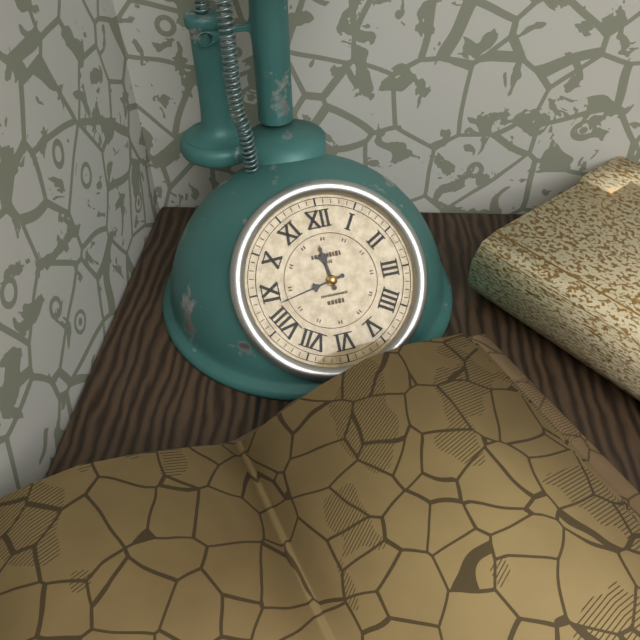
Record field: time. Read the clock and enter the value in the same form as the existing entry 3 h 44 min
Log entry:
11 h 43 min
